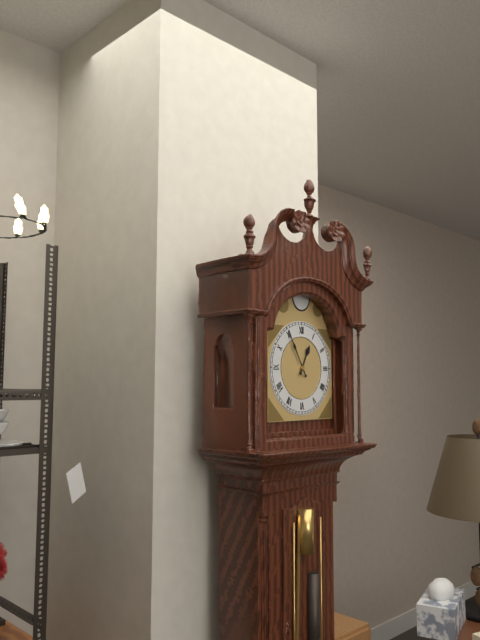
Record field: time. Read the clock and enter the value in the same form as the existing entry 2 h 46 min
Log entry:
12 h 55 min
